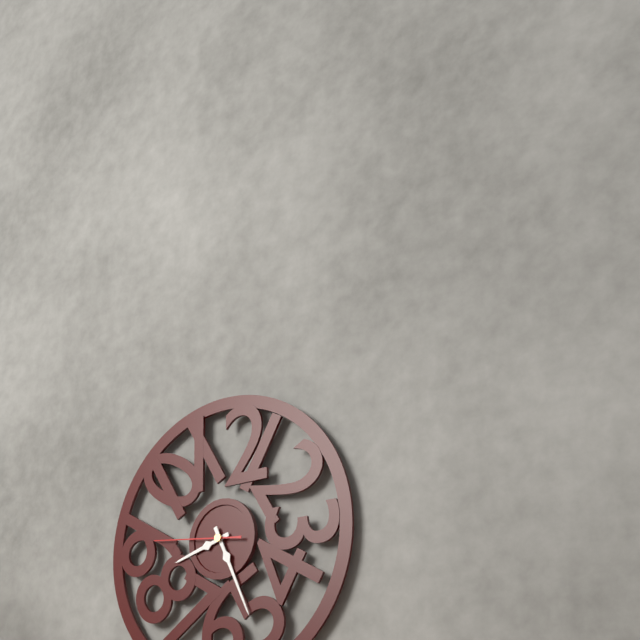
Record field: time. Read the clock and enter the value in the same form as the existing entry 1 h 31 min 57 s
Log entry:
8 h 26 min 46 s
